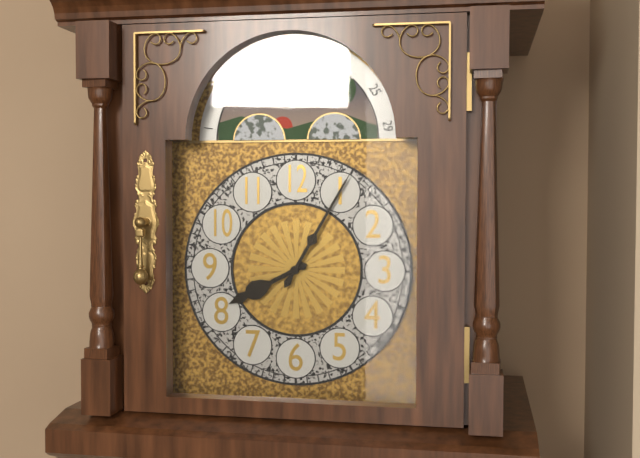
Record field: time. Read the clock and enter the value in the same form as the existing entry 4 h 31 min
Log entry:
8 h 05 min
